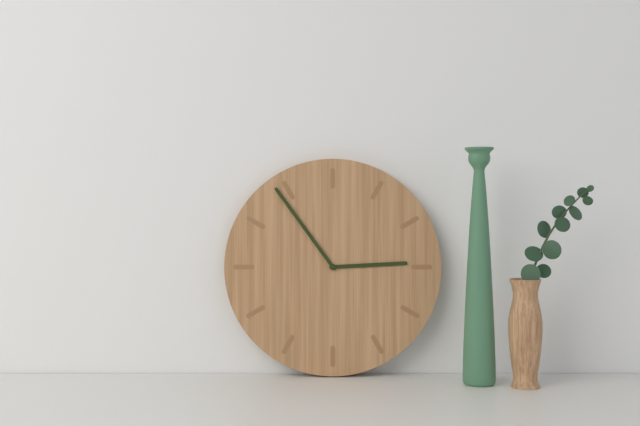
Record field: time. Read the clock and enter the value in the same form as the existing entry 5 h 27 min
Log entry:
2 h 54 min
